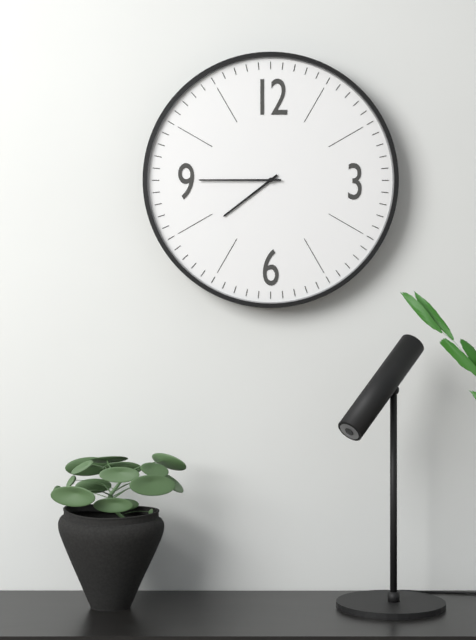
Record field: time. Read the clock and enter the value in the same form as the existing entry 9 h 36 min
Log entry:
7 h 45 min
